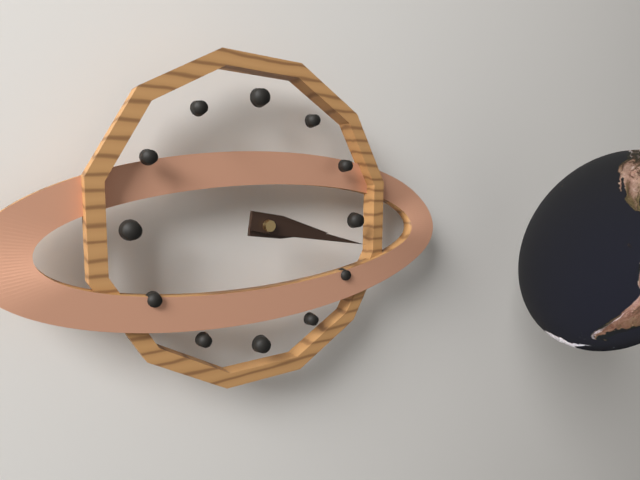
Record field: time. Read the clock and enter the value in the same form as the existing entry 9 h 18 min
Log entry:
3 h 17 min
